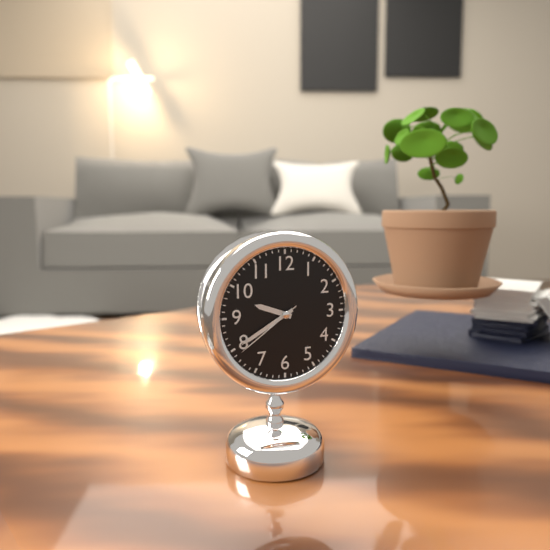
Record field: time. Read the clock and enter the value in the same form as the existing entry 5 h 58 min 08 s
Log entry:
9 h 40 min 39 s
